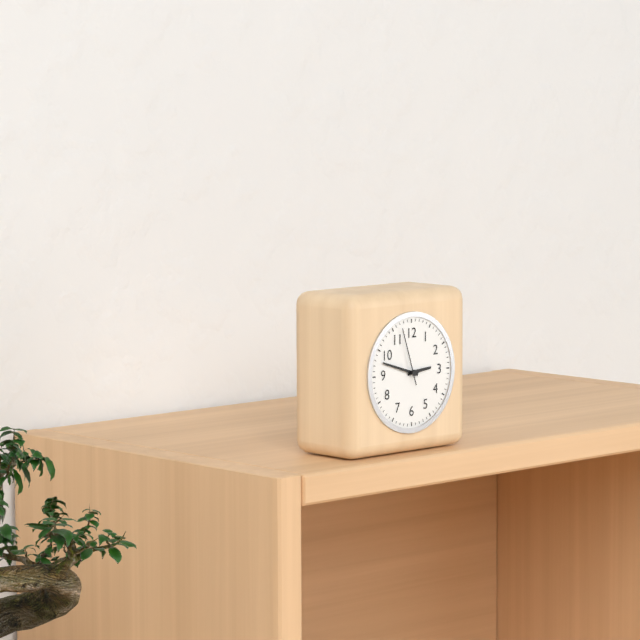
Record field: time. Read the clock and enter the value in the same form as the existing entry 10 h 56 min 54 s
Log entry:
2 h 48 min 57 s
